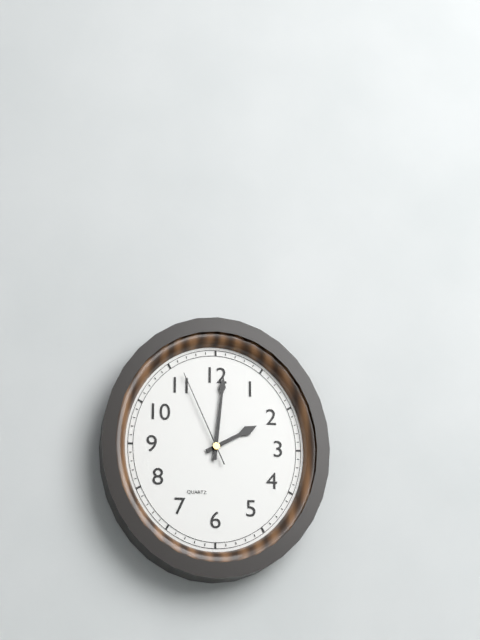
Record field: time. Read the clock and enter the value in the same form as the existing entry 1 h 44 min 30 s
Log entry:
2 h 01 min 56 s
